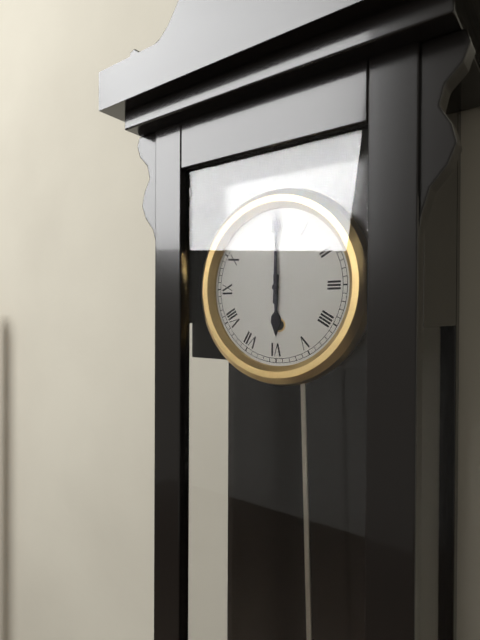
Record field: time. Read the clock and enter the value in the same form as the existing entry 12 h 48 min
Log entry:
6 h 00 min
